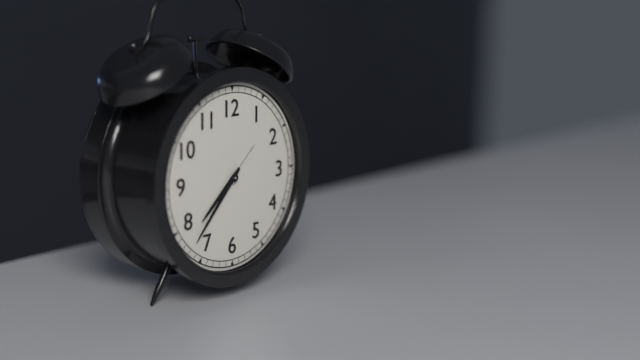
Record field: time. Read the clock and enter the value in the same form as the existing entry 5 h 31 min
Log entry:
7 h 37 min
